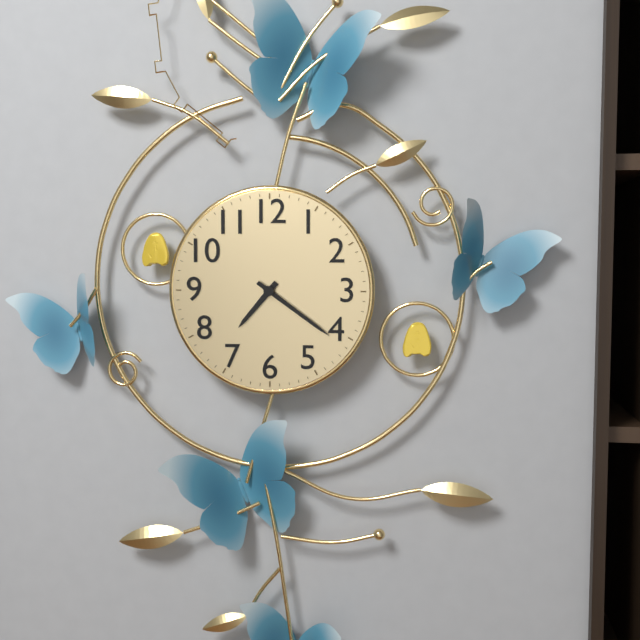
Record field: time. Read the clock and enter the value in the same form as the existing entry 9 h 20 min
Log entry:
7 h 21 min
